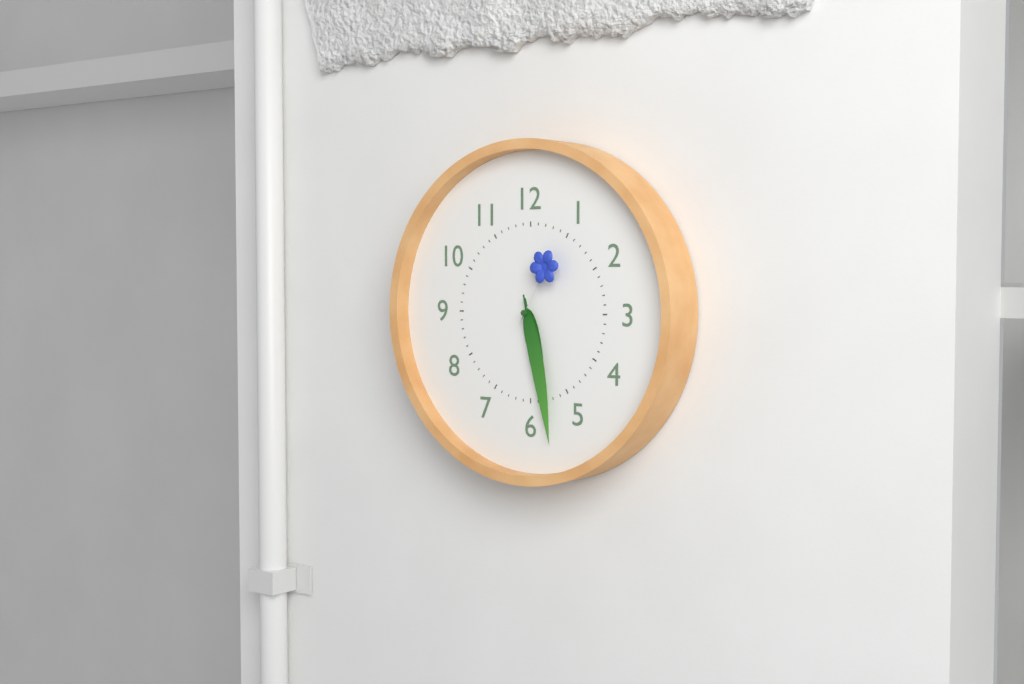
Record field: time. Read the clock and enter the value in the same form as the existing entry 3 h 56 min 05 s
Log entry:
5 h 28 min 05 s
